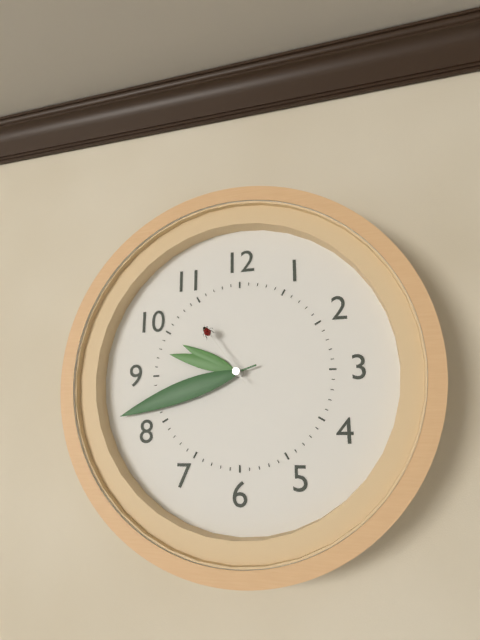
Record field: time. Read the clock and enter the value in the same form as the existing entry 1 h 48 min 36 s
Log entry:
9 h 42 min 54 s
